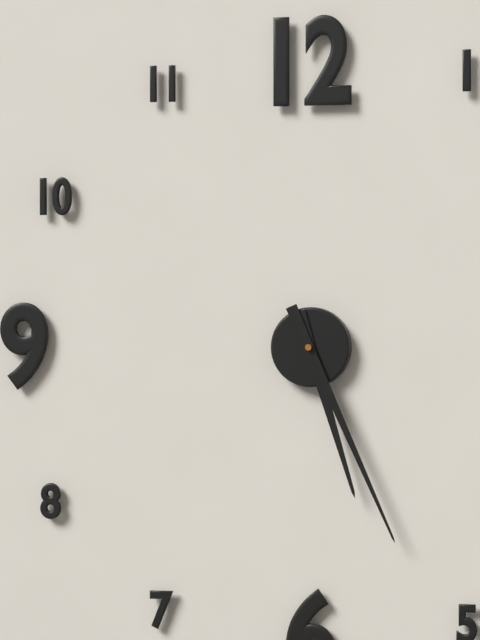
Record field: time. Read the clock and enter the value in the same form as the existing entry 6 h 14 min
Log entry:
5 h 26 min
